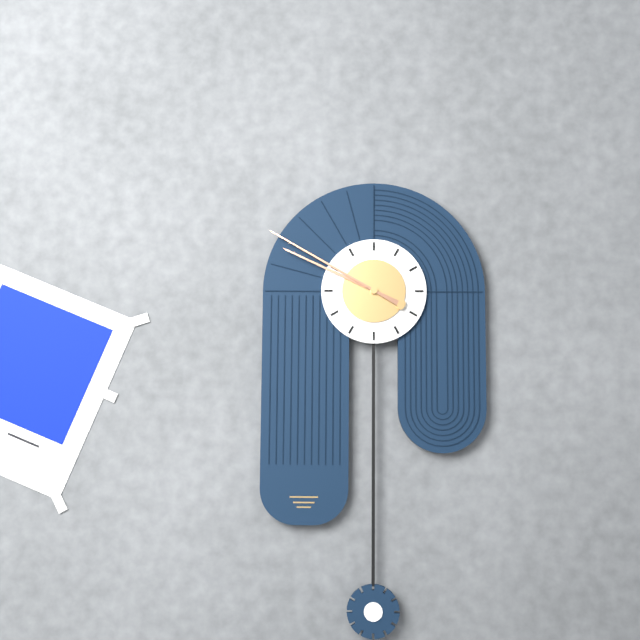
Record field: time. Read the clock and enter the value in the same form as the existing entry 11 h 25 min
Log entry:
9 h 50 min
